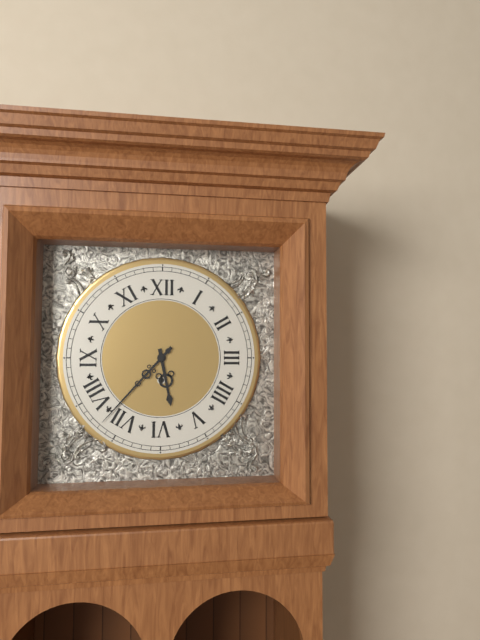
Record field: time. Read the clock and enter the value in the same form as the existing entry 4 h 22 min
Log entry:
5 h 37 min
